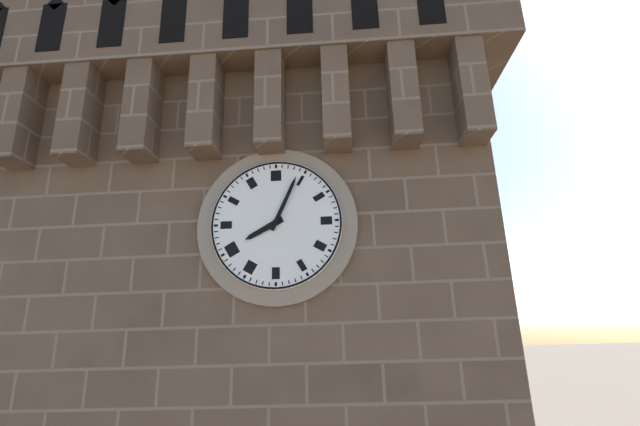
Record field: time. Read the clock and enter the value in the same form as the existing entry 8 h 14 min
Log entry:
8 h 04 min
